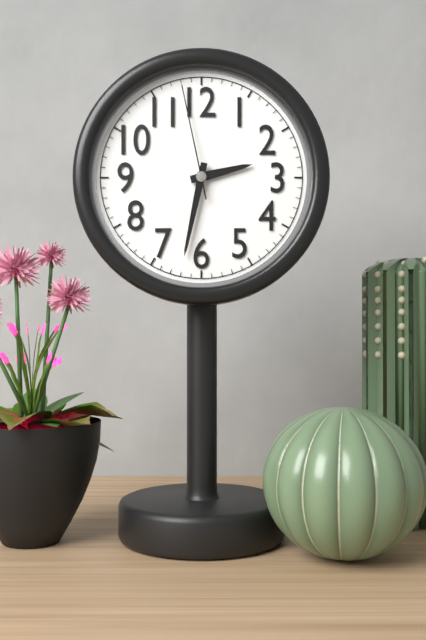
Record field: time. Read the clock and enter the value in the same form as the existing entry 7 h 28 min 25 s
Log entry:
2 h 32 min 58 s
